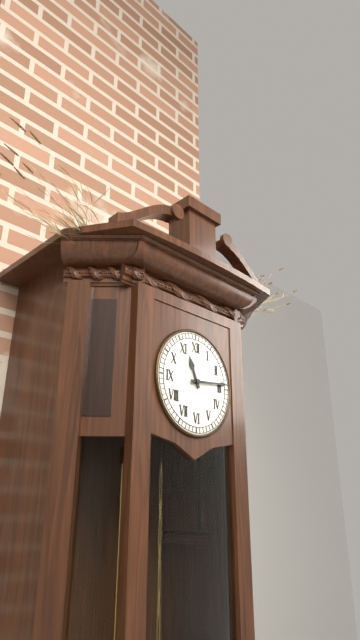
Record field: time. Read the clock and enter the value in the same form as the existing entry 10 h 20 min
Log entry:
11 h 14 min
